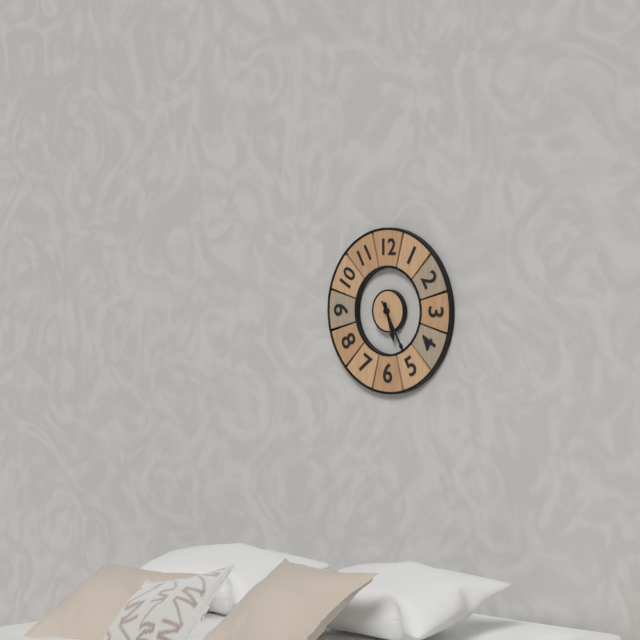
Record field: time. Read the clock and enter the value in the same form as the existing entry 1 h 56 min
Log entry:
5 h 25 min
